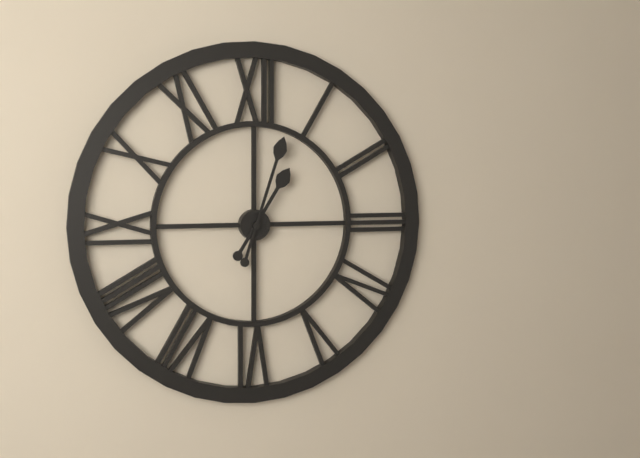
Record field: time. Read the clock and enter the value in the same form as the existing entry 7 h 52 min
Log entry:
1 h 03 min
